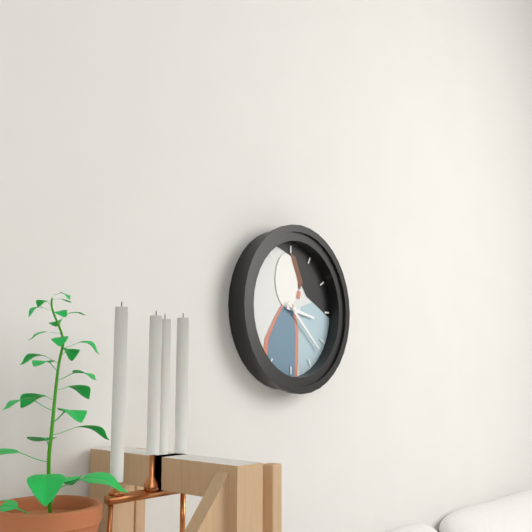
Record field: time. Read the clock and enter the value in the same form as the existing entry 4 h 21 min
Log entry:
3 h 22 min
